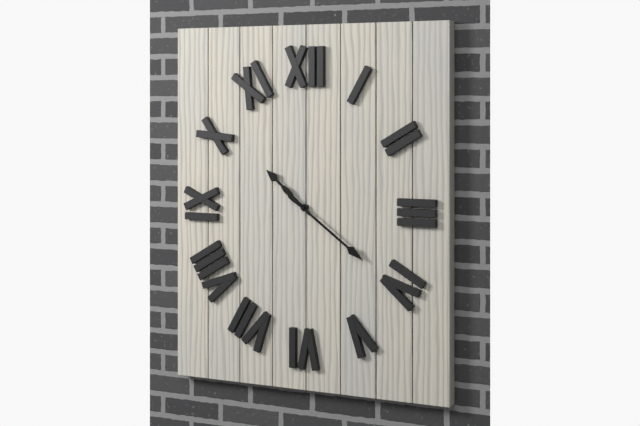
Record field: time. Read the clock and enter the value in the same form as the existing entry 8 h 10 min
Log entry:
10 h 21 min
